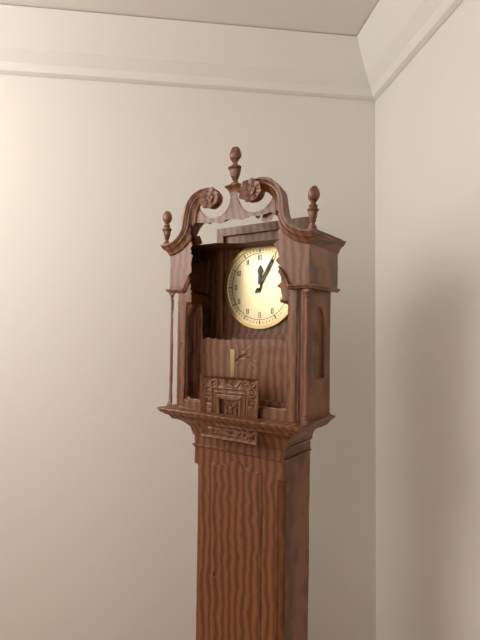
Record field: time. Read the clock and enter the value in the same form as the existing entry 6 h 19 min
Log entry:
12 h 05 min
